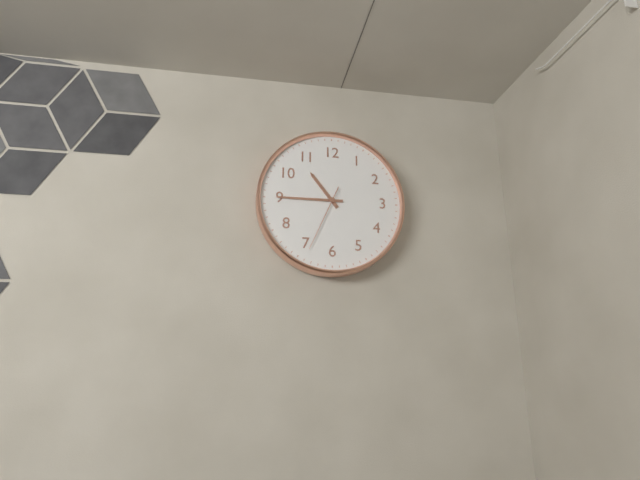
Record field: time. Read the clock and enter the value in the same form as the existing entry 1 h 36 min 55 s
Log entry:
10 h 45 min 34 s
